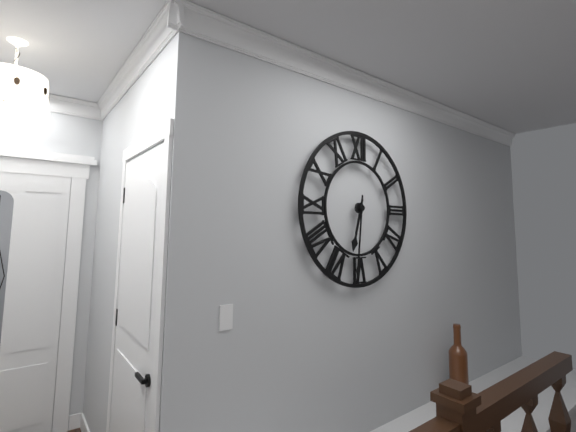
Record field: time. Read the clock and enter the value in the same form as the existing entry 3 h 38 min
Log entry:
6 h 31 min
